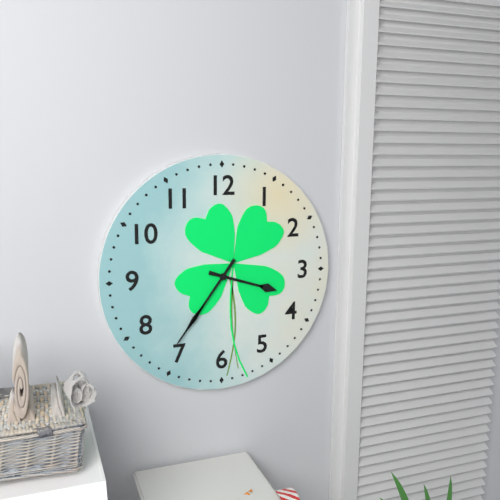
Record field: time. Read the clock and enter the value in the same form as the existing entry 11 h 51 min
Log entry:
3 h 36 min
